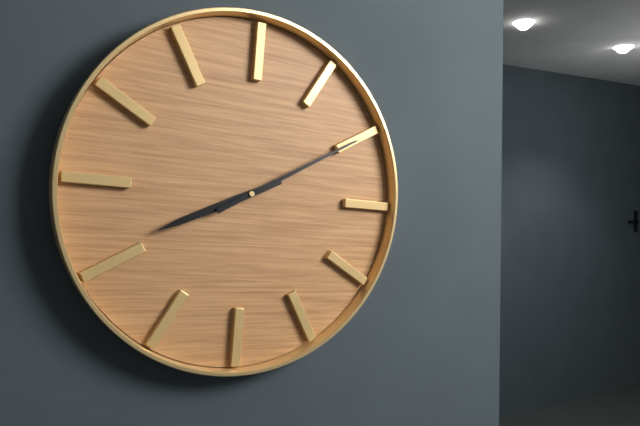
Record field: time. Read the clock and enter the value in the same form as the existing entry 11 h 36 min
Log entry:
8 h 10 min
